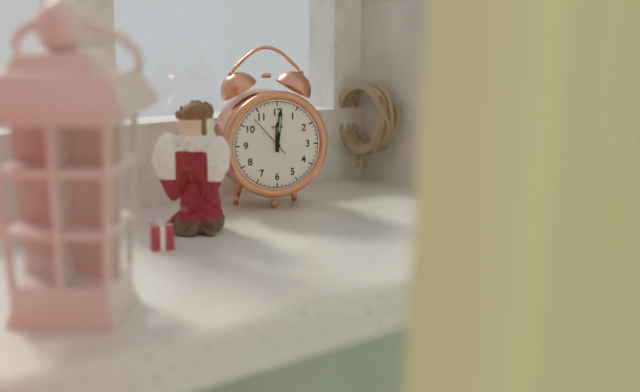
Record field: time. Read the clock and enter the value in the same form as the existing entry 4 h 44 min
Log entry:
12 h 01 min
